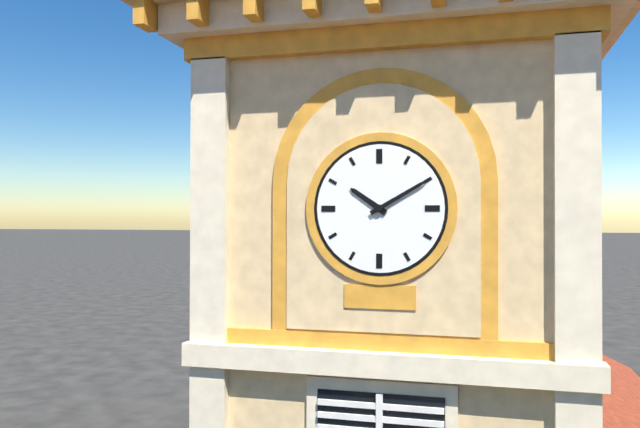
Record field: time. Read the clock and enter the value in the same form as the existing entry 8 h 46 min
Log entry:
10 h 10 min
